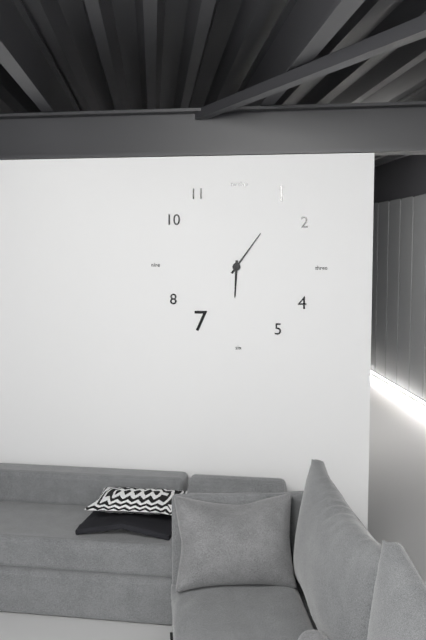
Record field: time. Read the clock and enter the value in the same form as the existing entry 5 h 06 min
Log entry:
6 h 06 min
